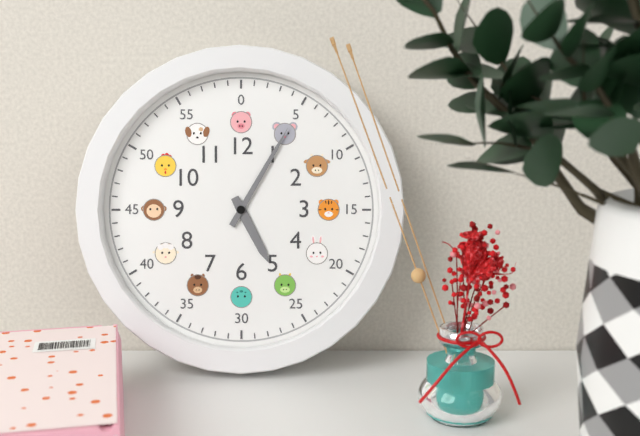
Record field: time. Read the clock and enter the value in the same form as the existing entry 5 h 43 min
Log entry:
5 h 05 min
